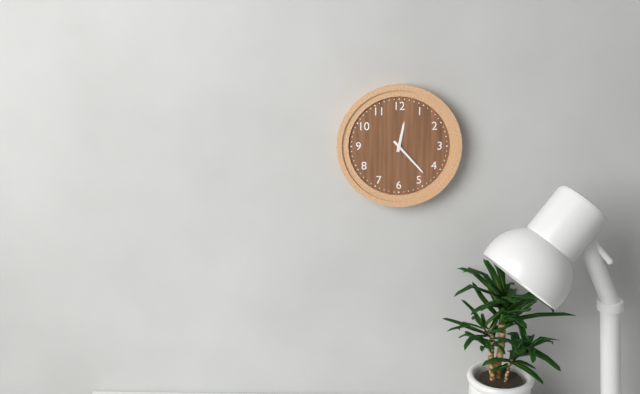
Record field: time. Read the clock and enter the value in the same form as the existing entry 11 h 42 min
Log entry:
12 h 23 min
